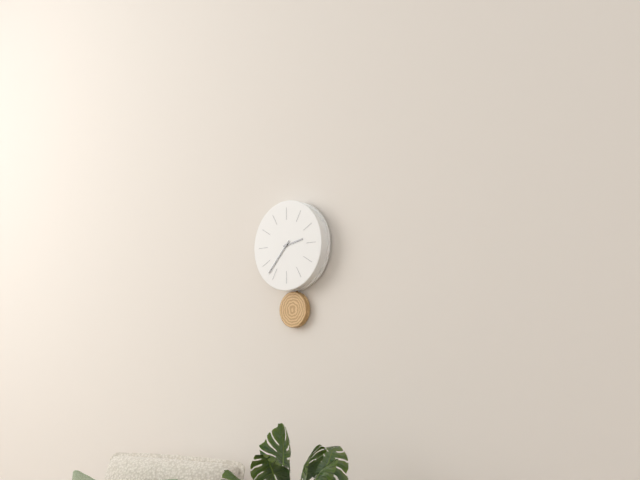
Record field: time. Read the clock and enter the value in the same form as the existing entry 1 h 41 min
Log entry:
2 h 37 min
